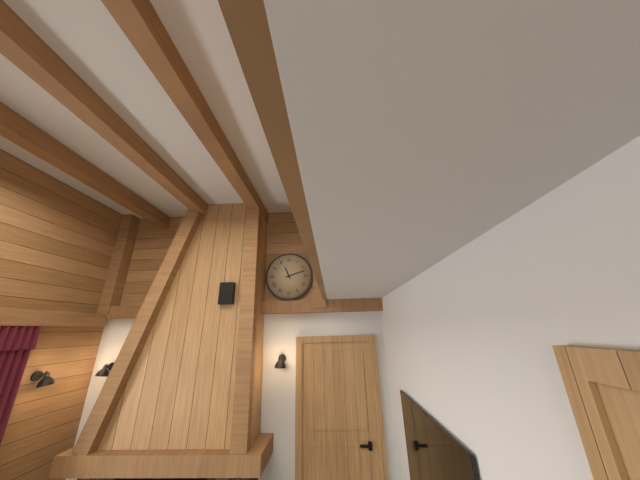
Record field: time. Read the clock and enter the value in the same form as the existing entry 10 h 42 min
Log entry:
11 h 12 min
